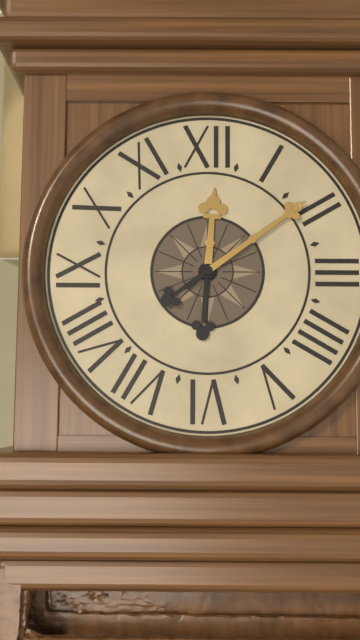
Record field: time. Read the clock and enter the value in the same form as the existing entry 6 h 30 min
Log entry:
12 h 09 min
